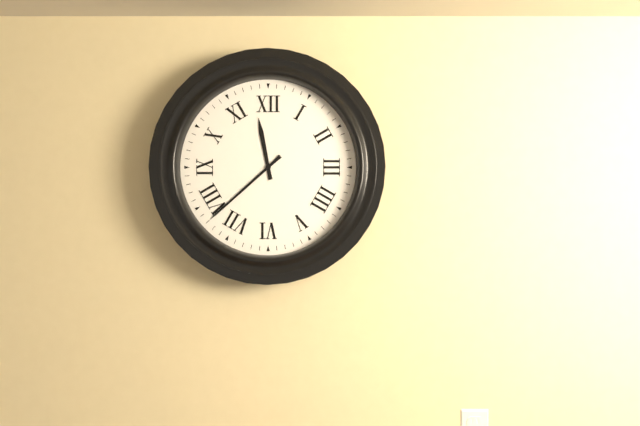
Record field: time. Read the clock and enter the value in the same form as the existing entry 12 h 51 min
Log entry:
11 h 38 min
